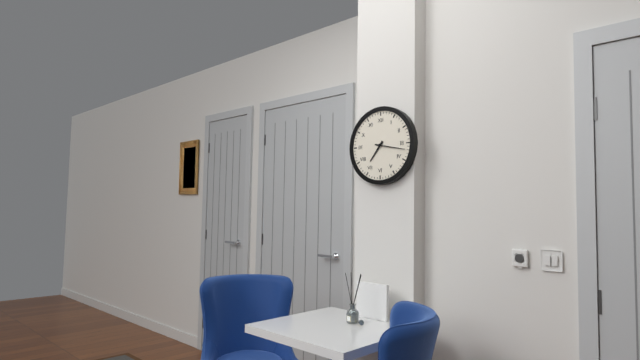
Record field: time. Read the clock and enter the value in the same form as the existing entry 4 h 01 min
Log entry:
7 h 17 min
